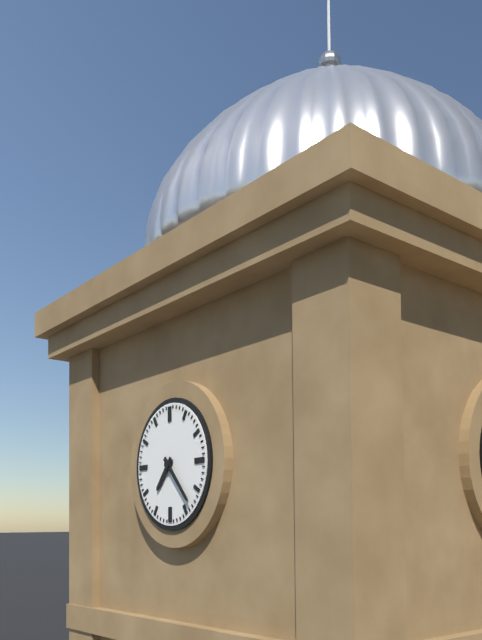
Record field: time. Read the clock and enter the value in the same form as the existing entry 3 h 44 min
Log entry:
7 h 23 min
